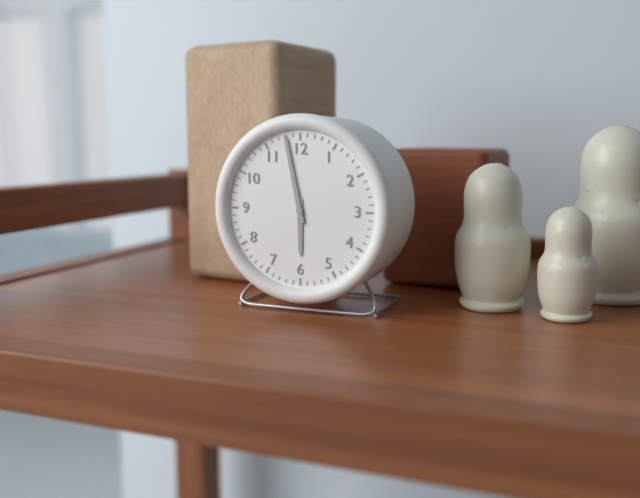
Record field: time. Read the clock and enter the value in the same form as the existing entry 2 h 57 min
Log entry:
5 h 58 min
